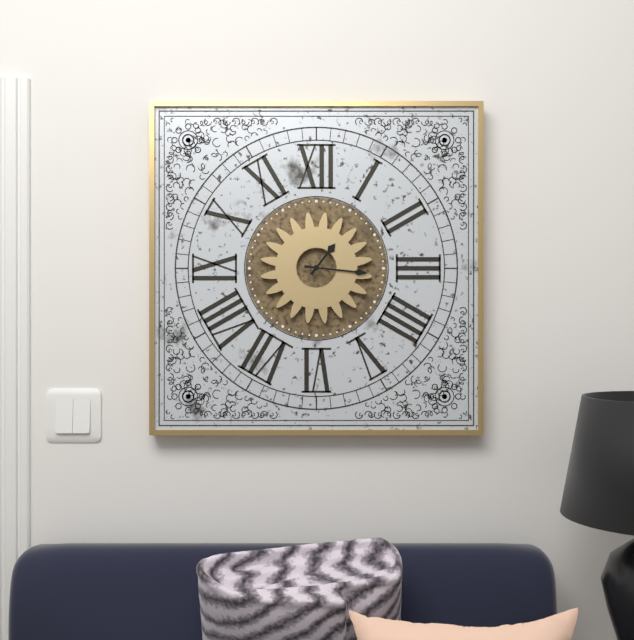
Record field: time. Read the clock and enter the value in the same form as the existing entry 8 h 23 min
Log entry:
1 h 16 min
